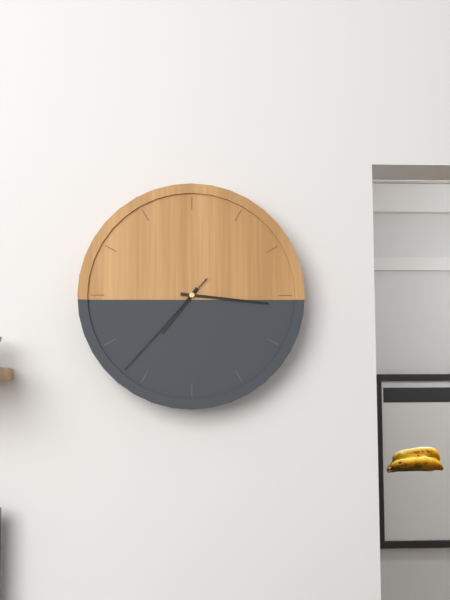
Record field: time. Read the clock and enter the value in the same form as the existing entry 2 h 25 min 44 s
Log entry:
7 h 16 min 37 s
